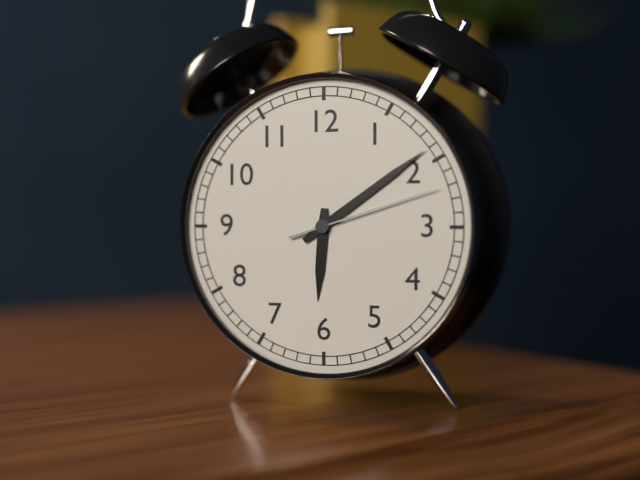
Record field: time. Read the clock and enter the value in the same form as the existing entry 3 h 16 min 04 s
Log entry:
6 h 09 min 12 s
